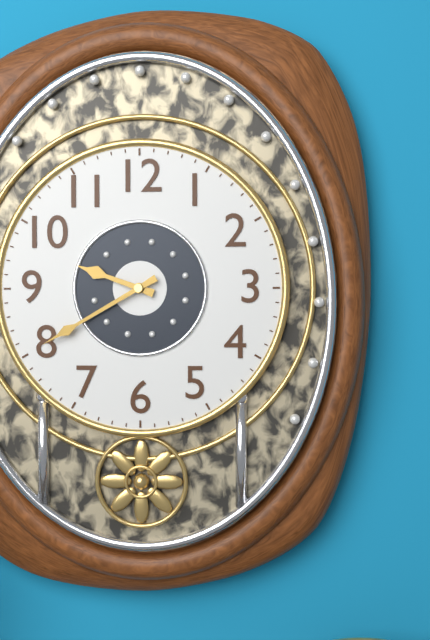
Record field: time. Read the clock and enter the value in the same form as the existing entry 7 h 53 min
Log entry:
9 h 40 min
